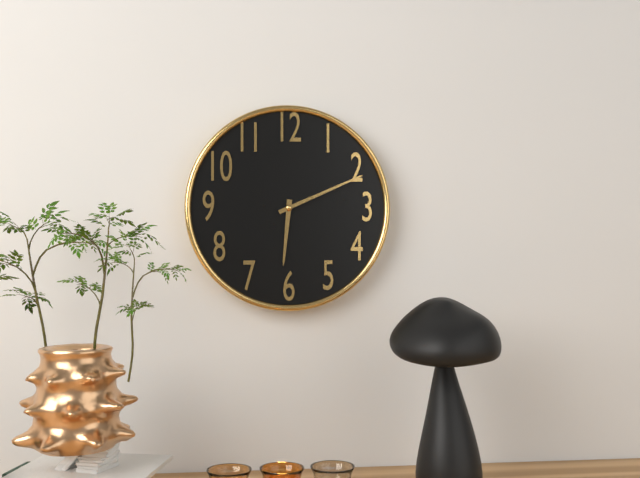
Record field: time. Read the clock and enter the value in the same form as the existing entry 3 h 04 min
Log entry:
6 h 11 min
